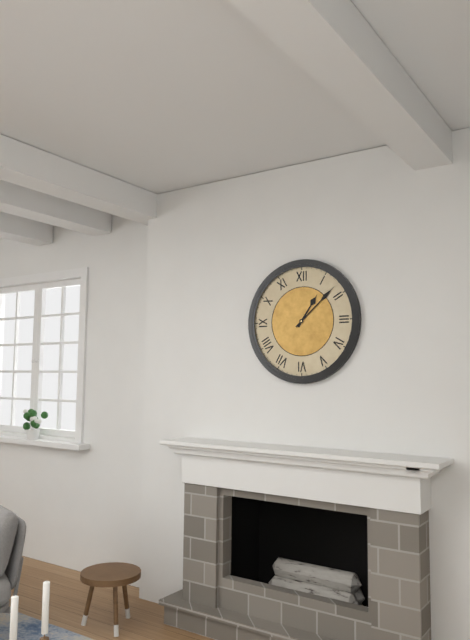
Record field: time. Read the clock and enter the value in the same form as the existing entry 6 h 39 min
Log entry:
1 h 08 min
